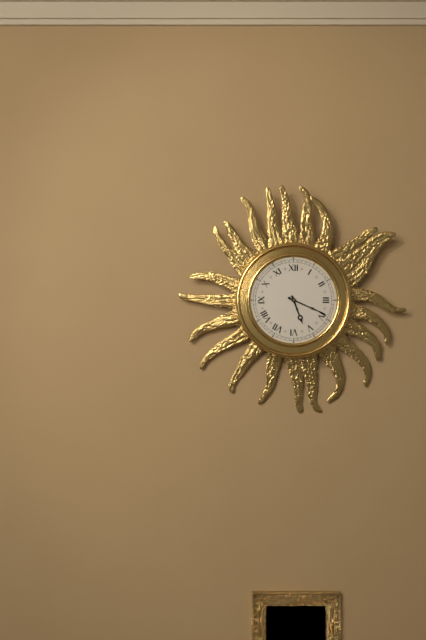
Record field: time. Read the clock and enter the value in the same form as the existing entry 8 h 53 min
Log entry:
5 h 19 min
